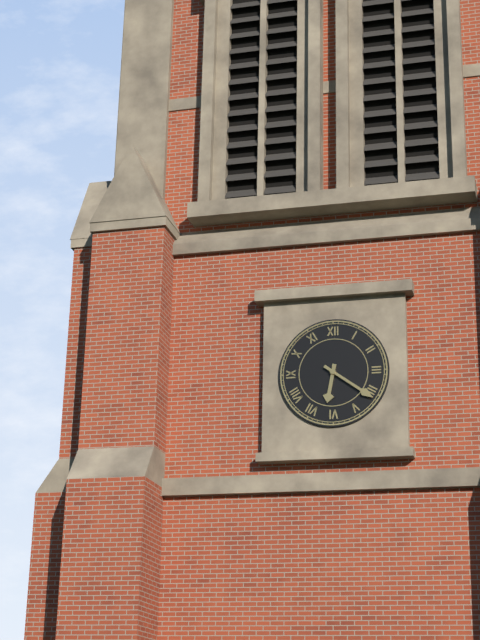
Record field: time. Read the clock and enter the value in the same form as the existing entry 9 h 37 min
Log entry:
6 h 21 min
